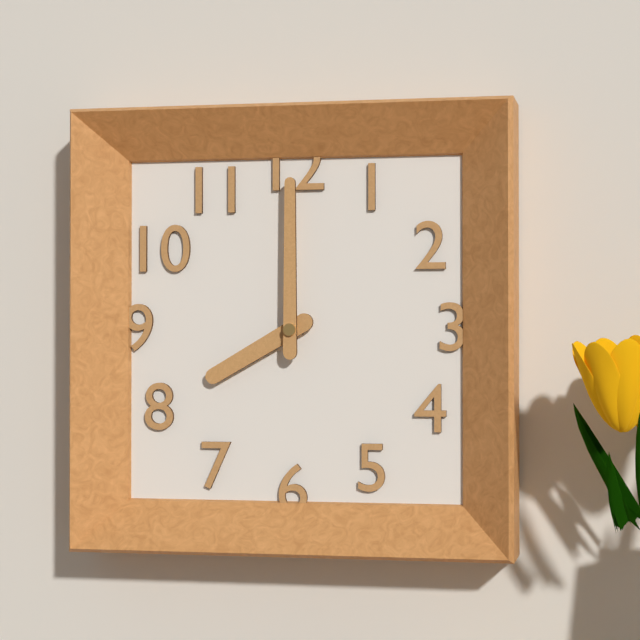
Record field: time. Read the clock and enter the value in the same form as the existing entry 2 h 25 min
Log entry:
8 h 00 min
